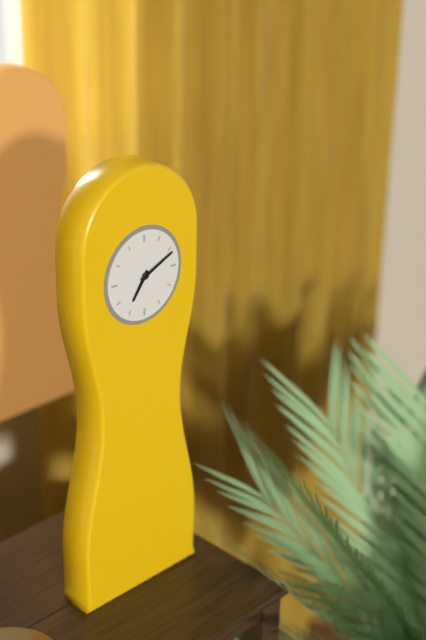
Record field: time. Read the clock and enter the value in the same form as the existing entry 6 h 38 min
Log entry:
7 h 11 min
